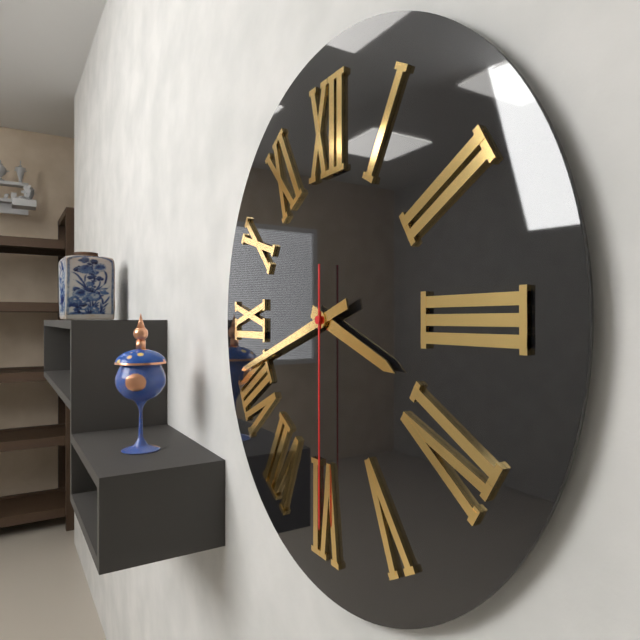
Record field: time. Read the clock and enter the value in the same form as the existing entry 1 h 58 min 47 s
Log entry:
3 h 42 min 30 s
